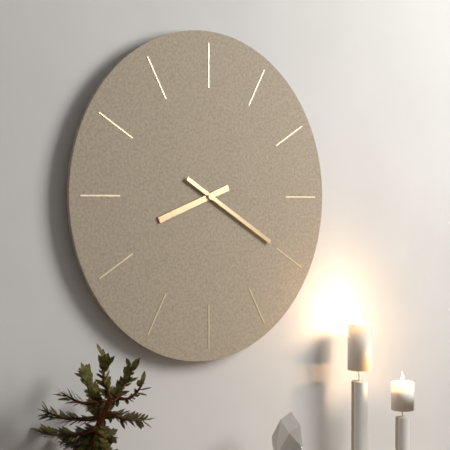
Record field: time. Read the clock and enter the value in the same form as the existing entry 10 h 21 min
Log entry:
8 h 20 min
